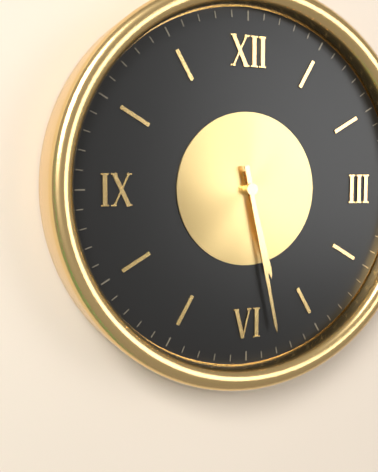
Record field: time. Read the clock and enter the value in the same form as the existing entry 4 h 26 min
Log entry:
5 h 28 min
